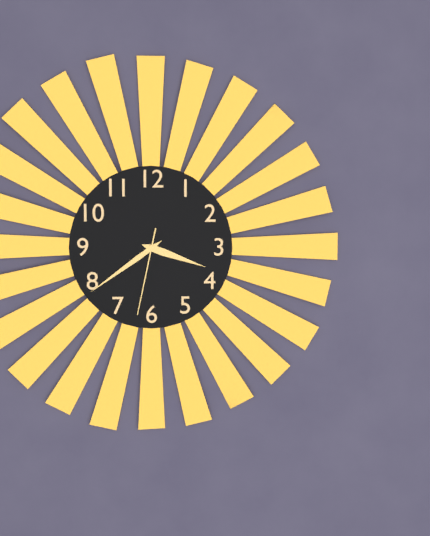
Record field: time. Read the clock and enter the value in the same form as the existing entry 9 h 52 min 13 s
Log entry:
3 h 39 min 32 s
